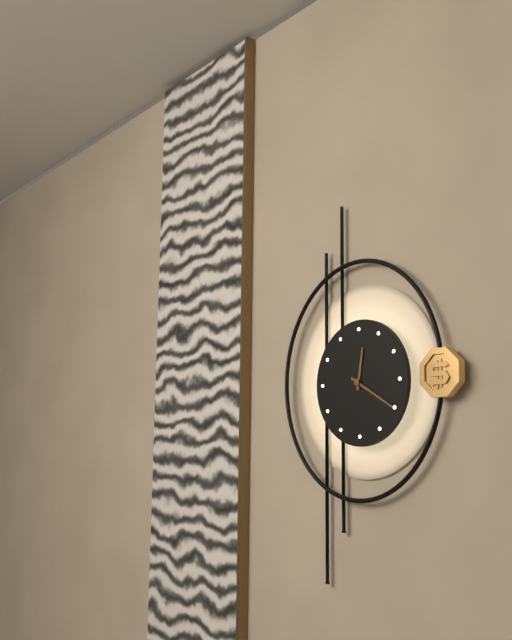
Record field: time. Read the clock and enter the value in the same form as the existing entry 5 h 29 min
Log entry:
12 h 20 min
